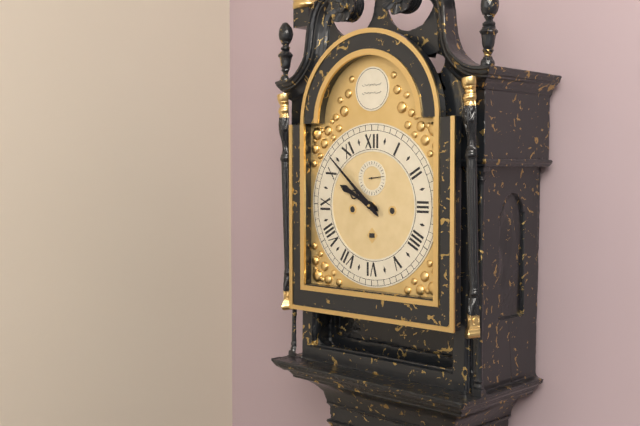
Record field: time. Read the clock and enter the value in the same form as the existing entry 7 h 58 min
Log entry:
9 h 52 min
